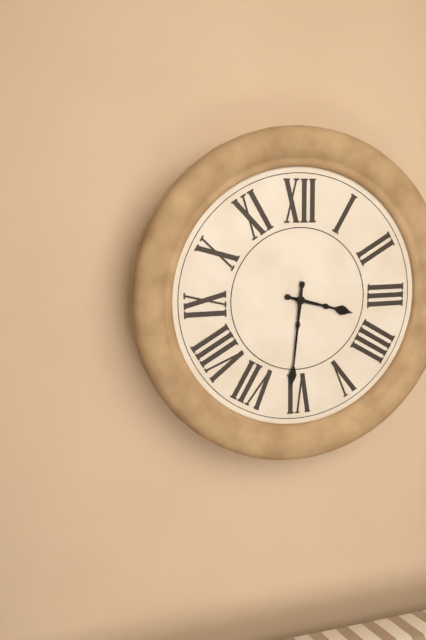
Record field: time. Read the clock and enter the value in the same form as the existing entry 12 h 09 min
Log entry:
3 h 31 min
